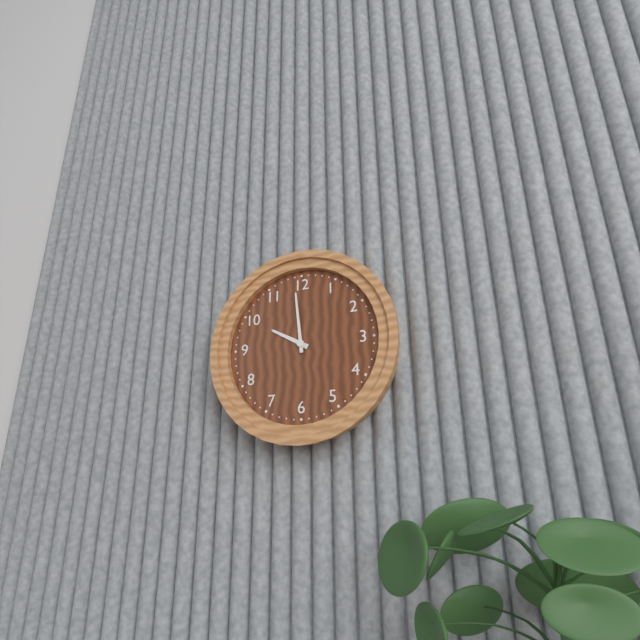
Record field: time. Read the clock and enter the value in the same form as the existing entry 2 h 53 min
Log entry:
9 h 59 min
